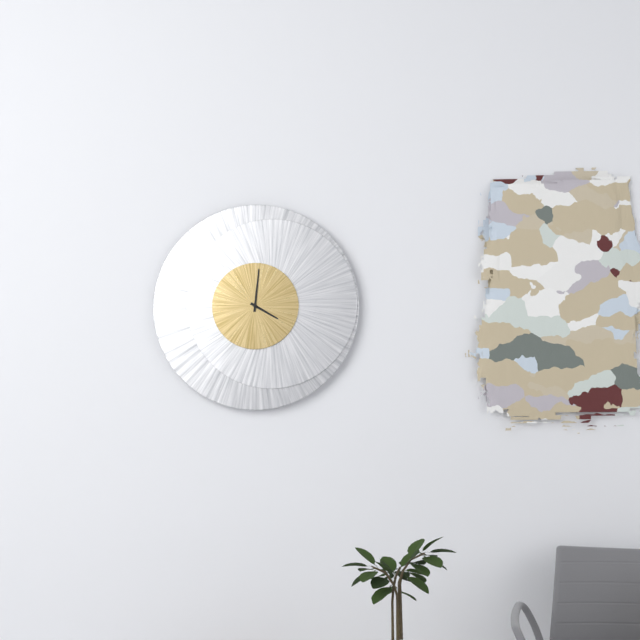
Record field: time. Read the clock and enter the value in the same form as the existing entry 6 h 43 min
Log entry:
4 h 01 min
